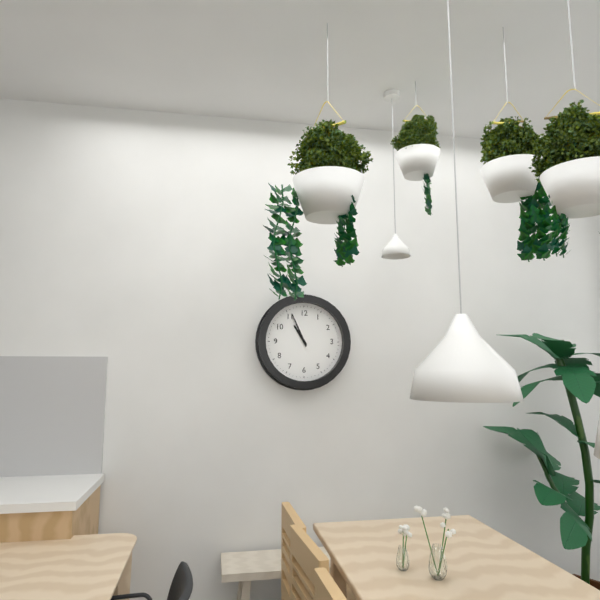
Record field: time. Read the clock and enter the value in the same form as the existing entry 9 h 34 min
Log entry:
10 h 56 min
